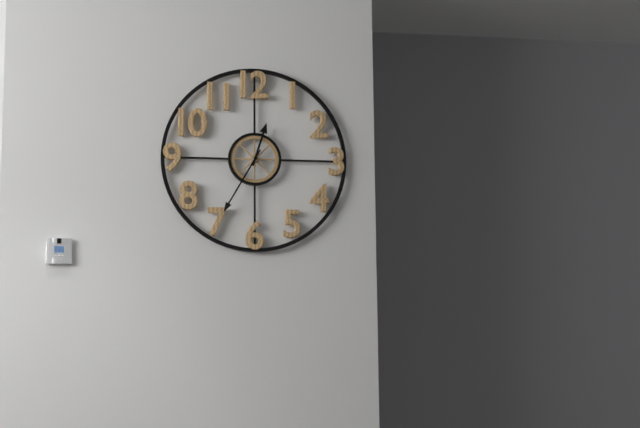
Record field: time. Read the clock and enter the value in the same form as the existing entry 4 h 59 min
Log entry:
12 h 35 min
